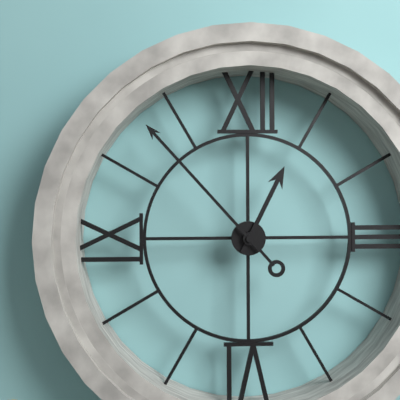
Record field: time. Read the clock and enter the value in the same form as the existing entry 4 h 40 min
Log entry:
12 h 53 min
